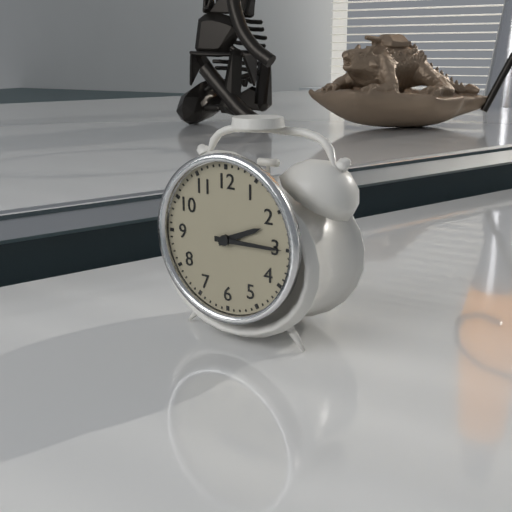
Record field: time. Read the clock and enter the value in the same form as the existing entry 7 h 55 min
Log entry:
2 h 15 min
